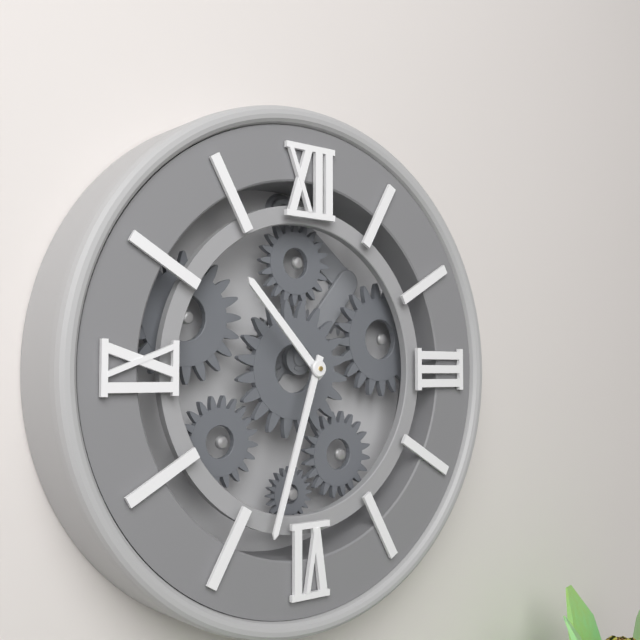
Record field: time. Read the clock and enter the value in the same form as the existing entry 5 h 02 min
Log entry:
10 h 33 min
